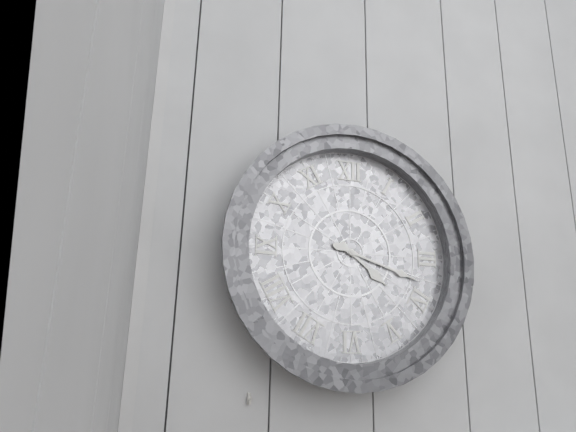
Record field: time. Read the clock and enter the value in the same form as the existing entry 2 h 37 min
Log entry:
4 h 18 min
